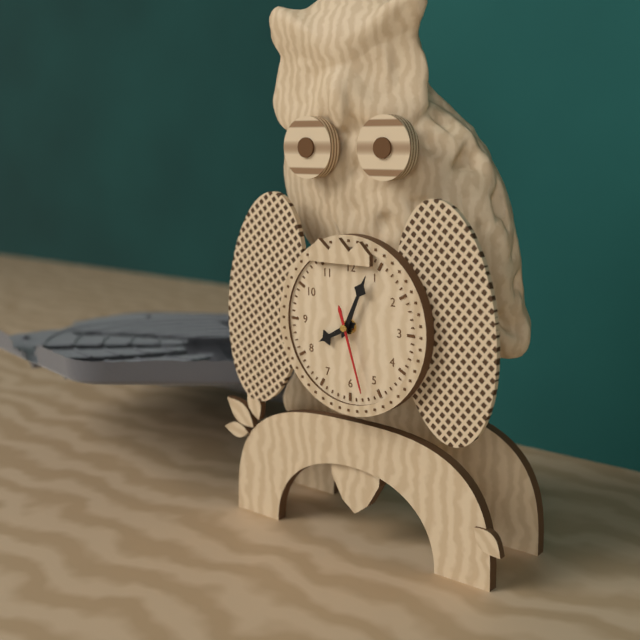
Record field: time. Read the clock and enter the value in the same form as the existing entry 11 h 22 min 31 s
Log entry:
8 h 04 min 27 s
